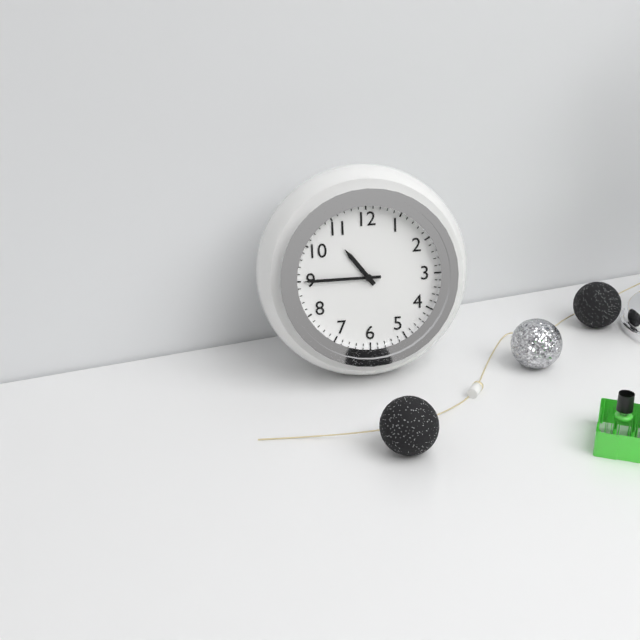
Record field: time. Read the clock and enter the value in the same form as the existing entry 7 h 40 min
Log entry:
10 h 45 min
